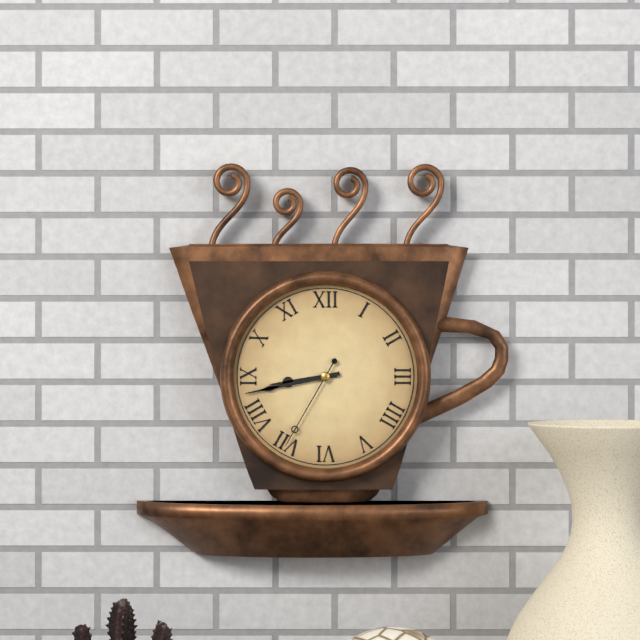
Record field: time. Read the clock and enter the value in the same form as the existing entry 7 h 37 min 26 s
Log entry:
8 h 43 min 35 s
